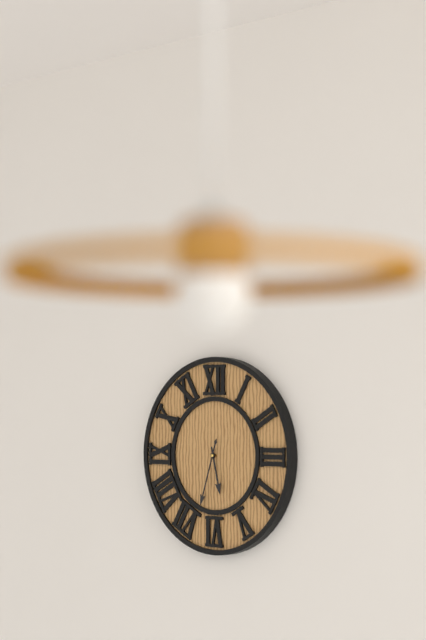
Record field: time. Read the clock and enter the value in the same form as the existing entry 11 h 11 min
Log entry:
5 h 33 min
